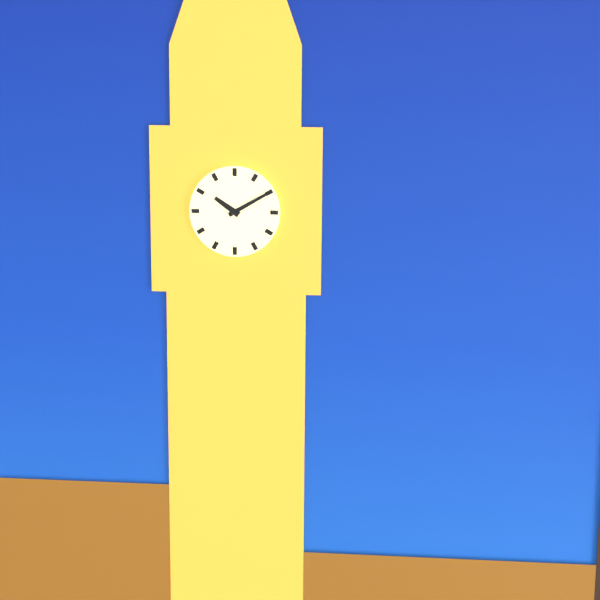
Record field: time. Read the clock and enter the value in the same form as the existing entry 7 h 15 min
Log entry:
10 h 10 min
